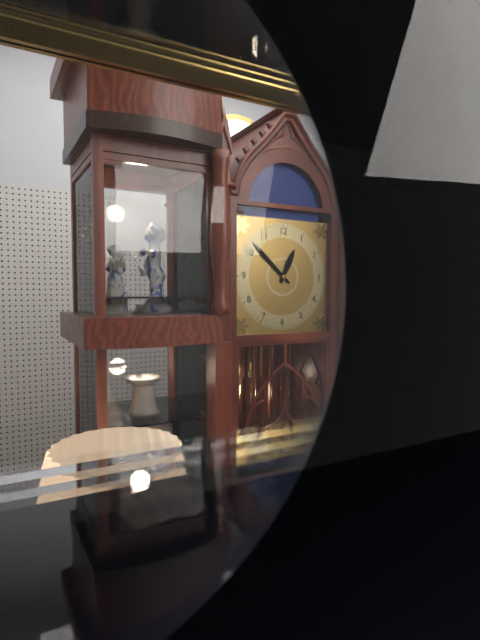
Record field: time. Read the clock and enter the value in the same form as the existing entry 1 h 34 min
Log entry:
12 h 52 min
